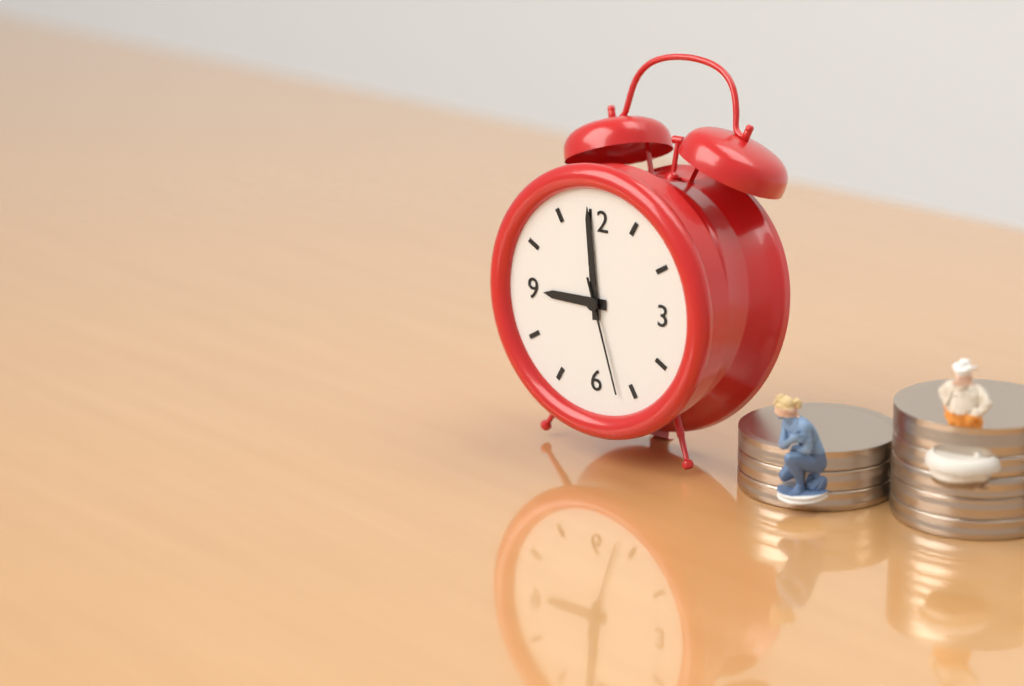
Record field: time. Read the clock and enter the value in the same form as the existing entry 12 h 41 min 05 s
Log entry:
8 h 59 min 27 s
